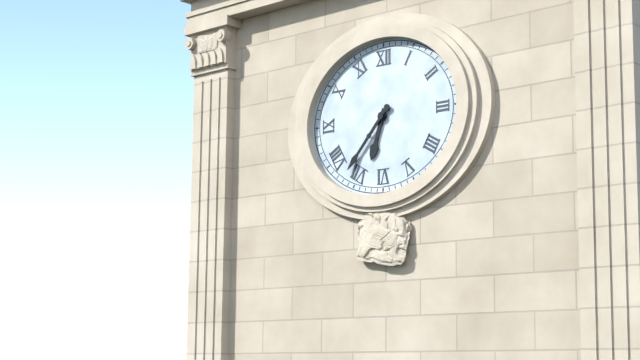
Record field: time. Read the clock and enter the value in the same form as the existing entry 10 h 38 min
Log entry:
6 h 37 min
